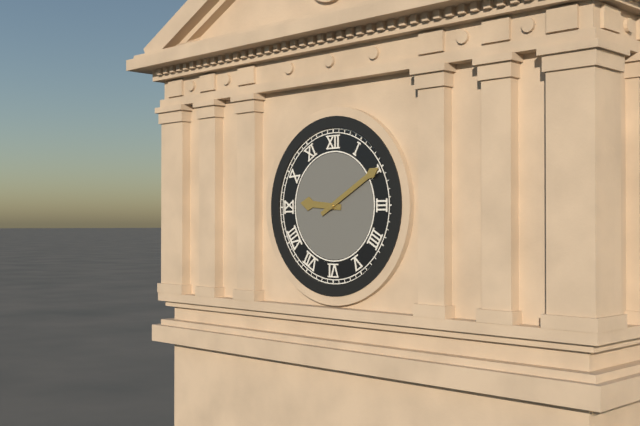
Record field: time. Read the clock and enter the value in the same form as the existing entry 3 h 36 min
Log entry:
9 h 10 min
